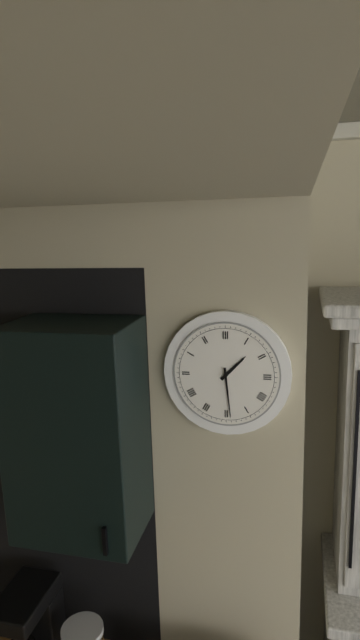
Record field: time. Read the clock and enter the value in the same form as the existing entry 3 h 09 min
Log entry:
1 h 29 min
